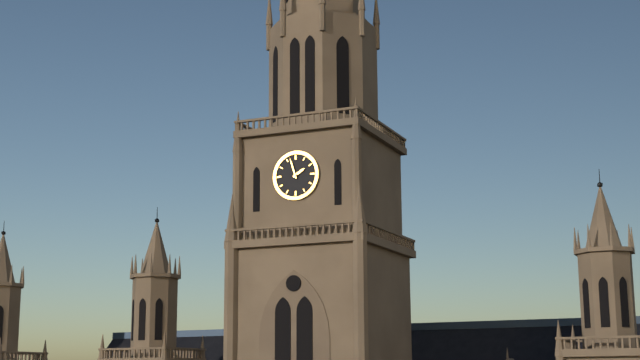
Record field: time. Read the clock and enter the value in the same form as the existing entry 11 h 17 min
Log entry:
1 h 57 min
